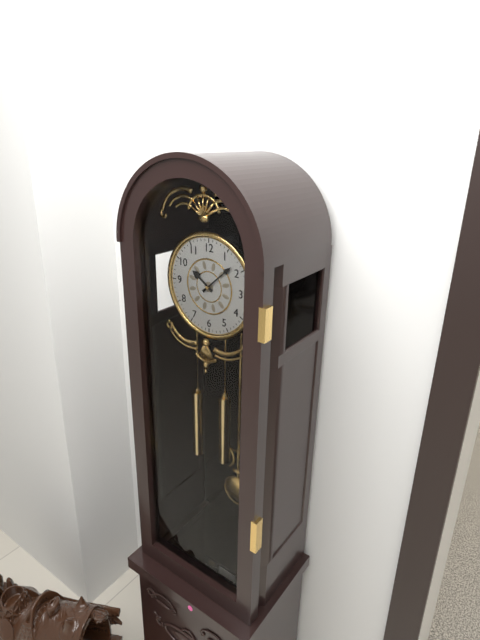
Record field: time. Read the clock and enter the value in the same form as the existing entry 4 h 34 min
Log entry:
10 h 08 min
